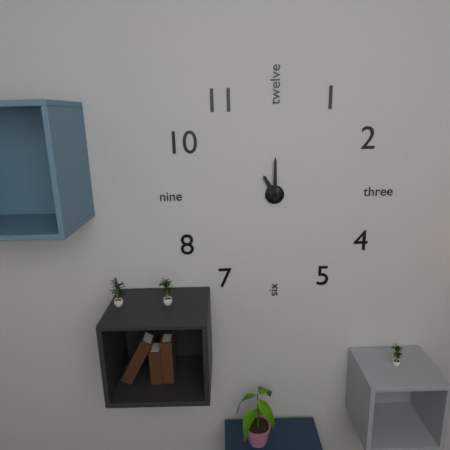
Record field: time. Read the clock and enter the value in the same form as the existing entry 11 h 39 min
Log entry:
11 h 00 min
